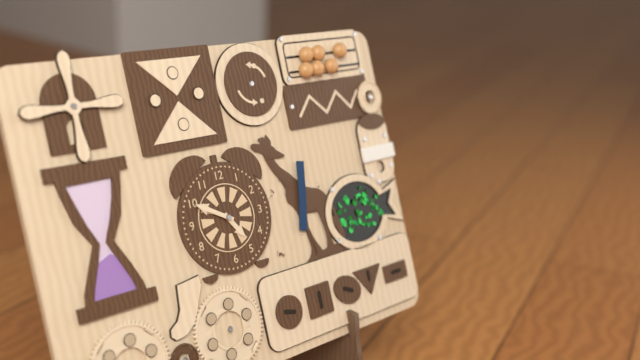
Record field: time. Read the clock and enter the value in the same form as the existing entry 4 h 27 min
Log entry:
4 h 50 min
